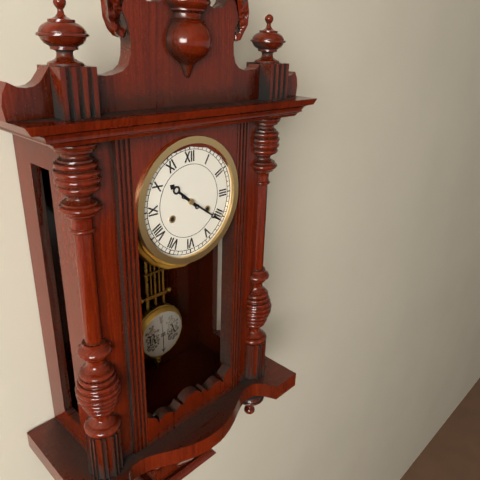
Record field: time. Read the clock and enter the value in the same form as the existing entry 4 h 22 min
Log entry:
10 h 21 min
